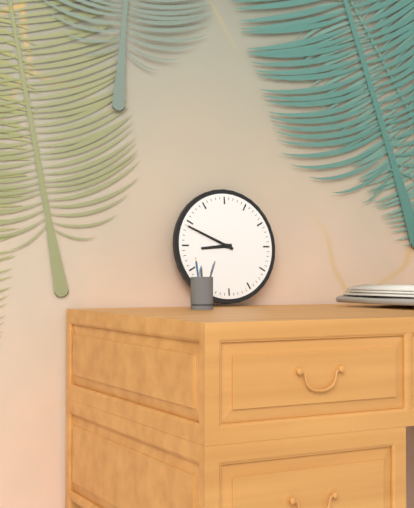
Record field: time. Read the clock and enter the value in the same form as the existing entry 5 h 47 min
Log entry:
8 h 49 min
